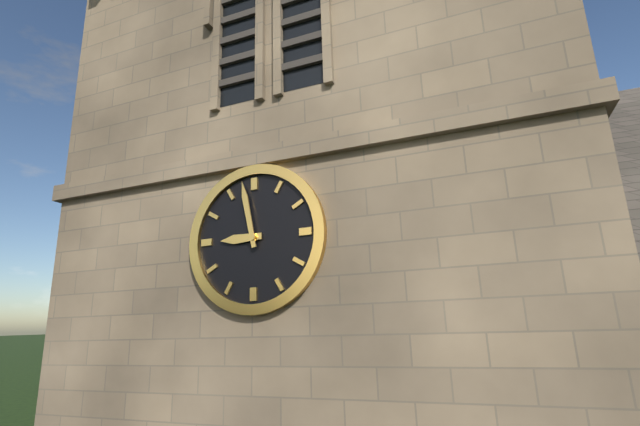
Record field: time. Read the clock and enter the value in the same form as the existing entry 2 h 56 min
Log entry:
8 h 58 min
